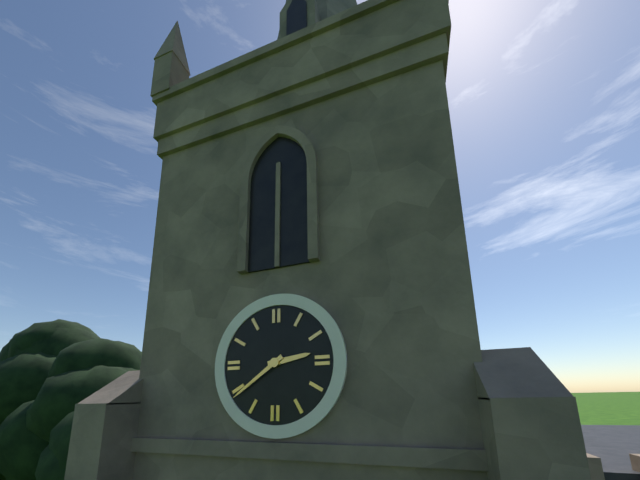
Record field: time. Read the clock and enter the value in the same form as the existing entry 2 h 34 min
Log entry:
2 h 39 min
